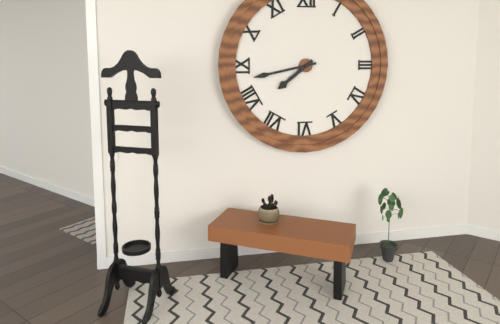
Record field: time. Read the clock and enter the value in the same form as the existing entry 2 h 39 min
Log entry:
7 h 43 min
